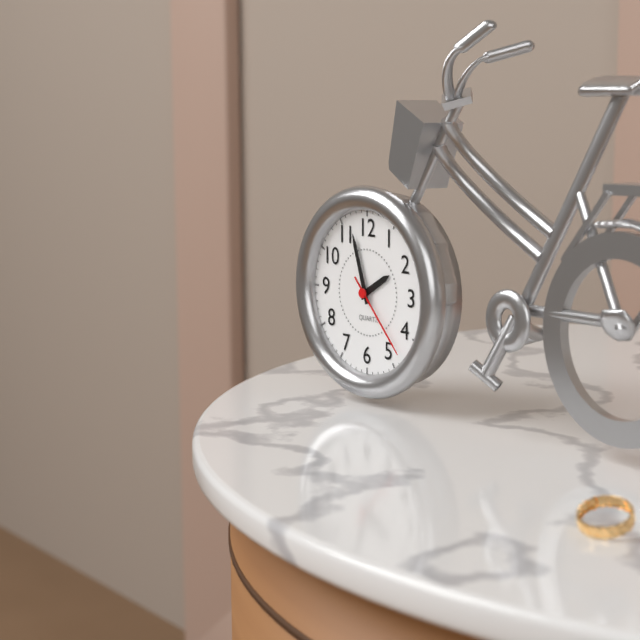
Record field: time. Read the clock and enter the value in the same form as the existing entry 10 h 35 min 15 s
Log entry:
1 h 57 min 23 s
